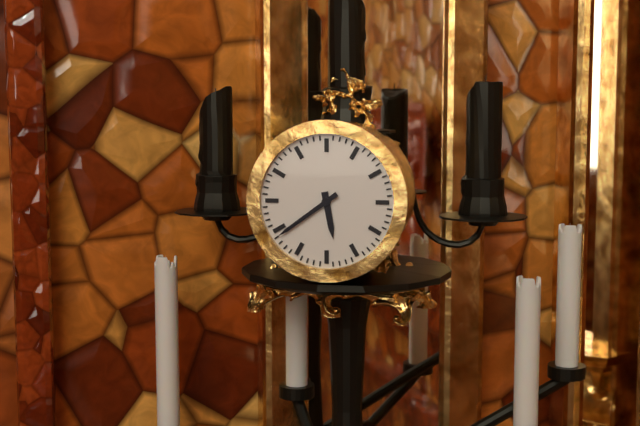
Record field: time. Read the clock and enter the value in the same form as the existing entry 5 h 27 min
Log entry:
5 h 39 min
